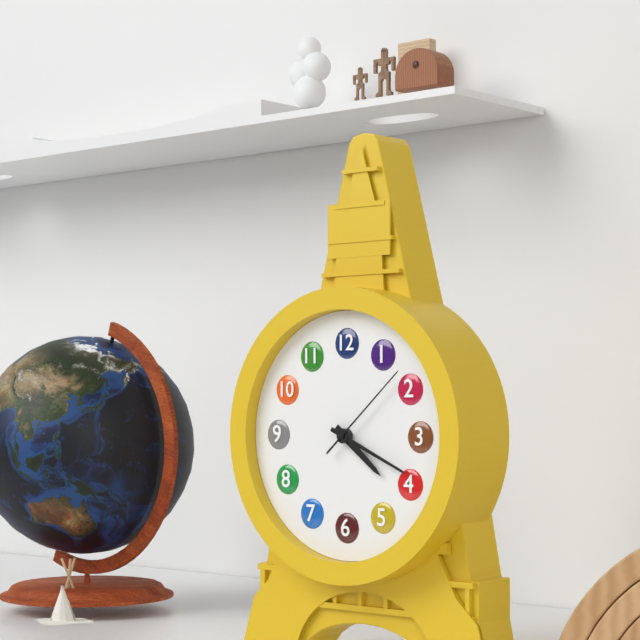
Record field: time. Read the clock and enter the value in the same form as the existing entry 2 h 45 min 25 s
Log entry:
4 h 19 min 08 s
